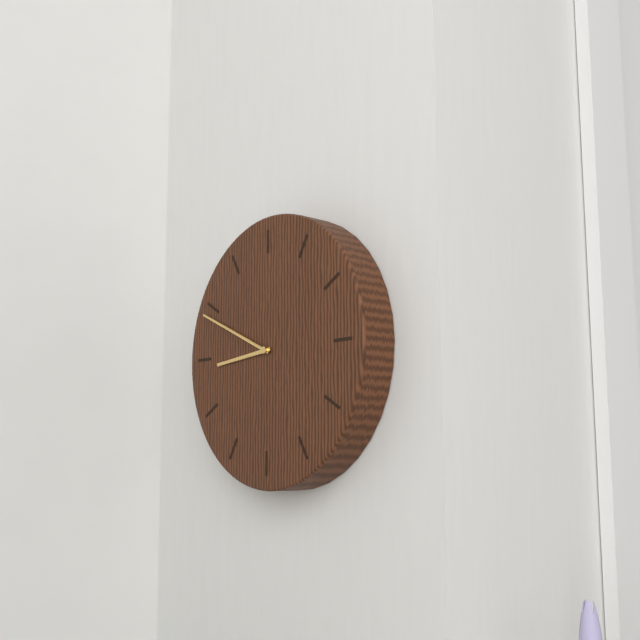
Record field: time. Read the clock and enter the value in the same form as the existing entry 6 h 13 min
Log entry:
8 h 49 min
